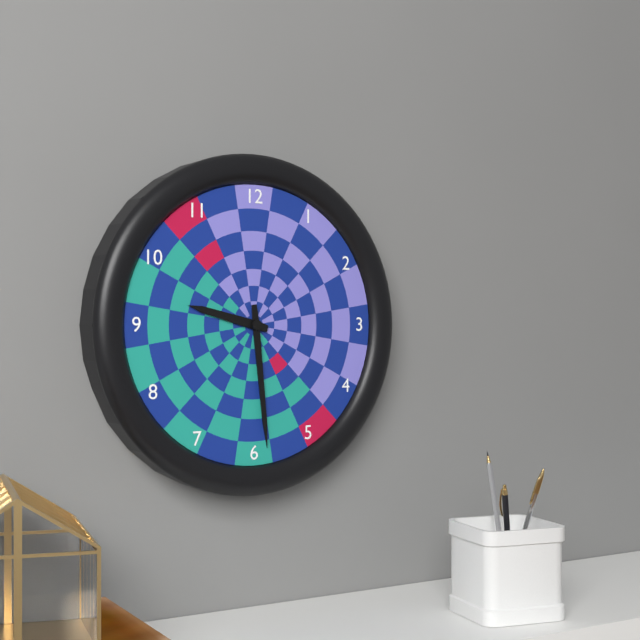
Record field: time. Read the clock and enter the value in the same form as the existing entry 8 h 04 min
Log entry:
9 h 29 min
